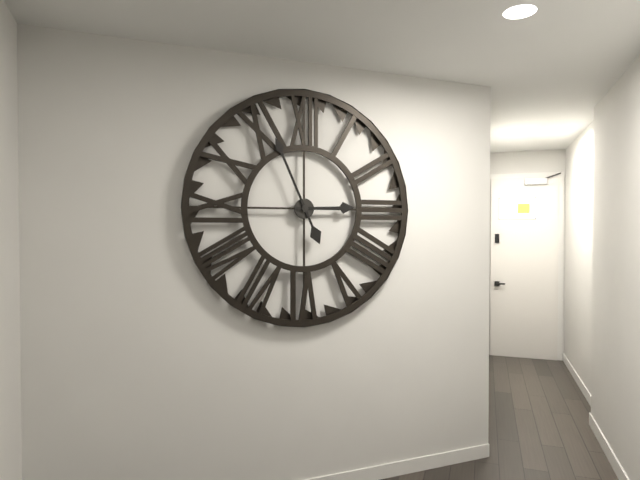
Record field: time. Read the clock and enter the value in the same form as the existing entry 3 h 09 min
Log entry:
2 h 56 min
